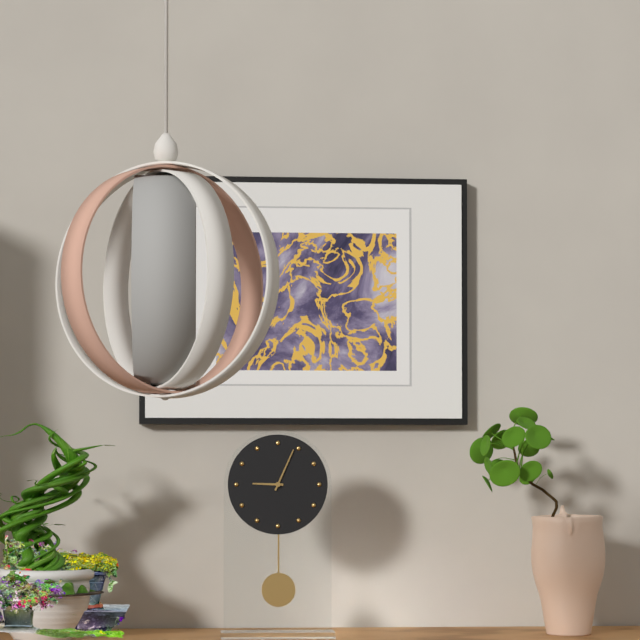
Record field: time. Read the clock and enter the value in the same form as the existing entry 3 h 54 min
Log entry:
9 h 04 min
